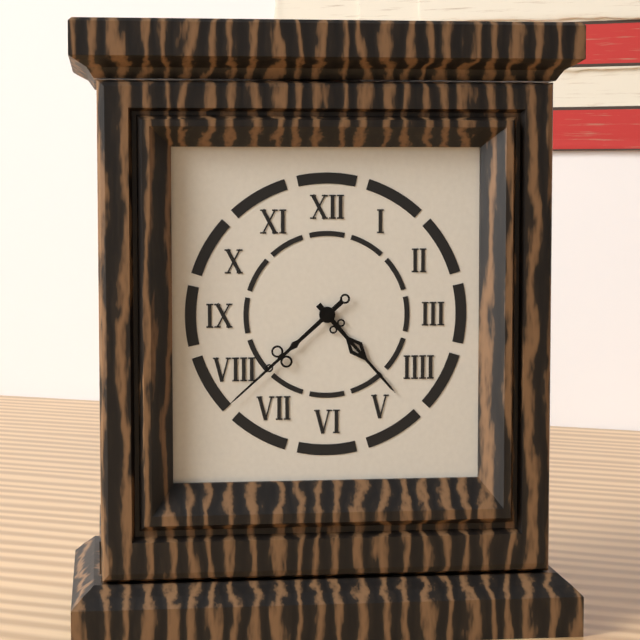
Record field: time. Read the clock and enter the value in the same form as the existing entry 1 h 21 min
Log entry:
4 h 38 min
